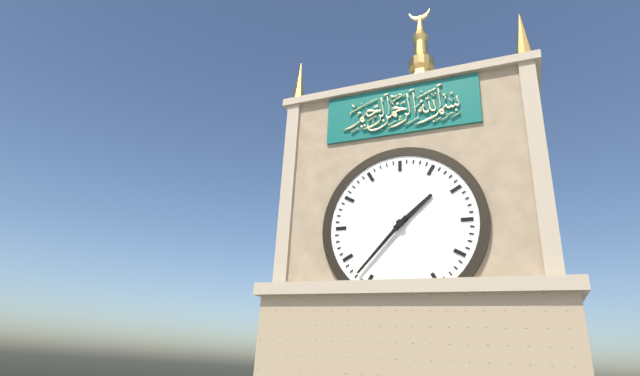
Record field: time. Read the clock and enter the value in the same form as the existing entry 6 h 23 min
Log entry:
1 h 37 min
